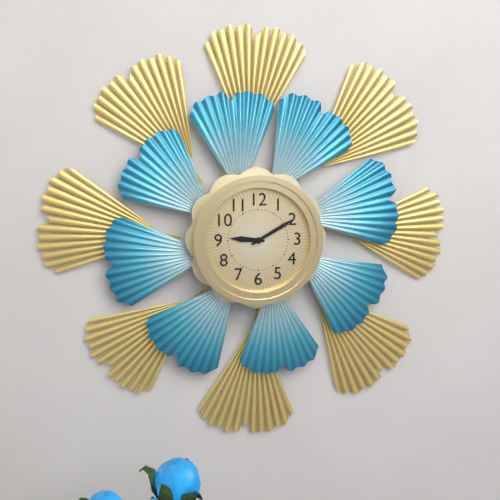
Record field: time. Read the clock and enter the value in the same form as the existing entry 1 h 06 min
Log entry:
9 h 10 min
